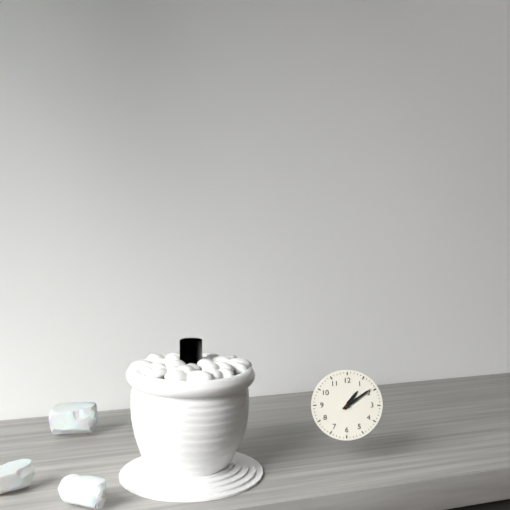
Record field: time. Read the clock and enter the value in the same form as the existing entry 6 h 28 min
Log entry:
1 h 09 min
